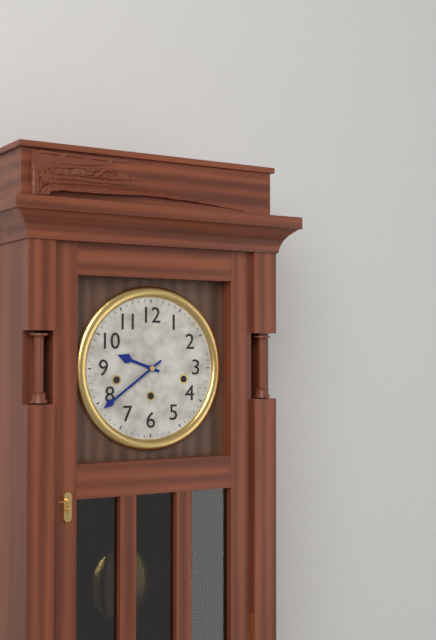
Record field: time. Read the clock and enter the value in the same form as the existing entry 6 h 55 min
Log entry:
9 h 39 min
